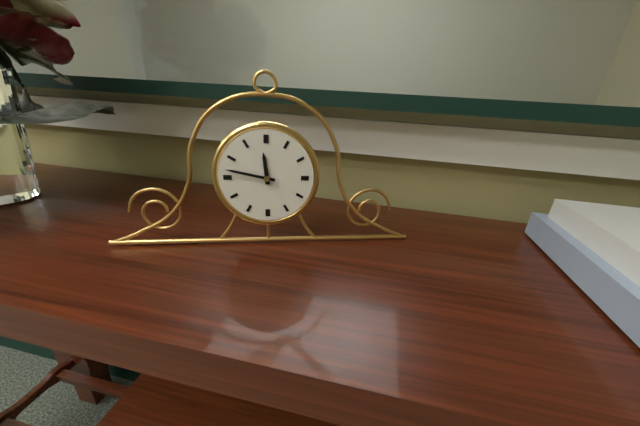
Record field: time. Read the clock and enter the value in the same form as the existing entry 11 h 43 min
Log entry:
11 h 47 min
